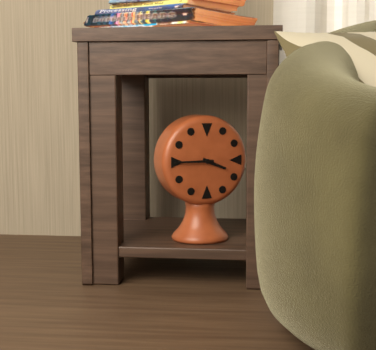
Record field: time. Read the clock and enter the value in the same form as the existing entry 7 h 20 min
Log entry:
3 h 45 min
